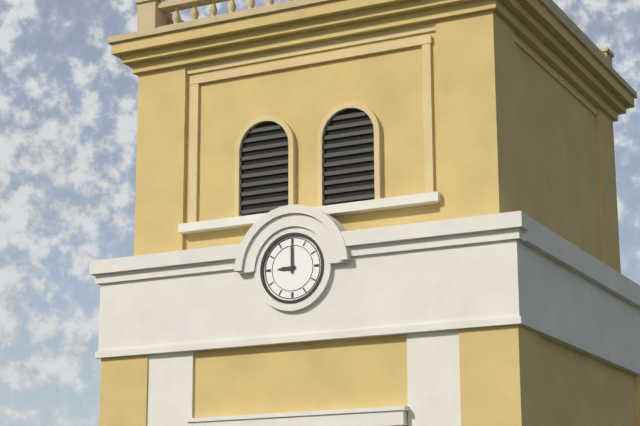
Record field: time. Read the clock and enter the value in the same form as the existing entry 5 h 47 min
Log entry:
9 h 00 min
